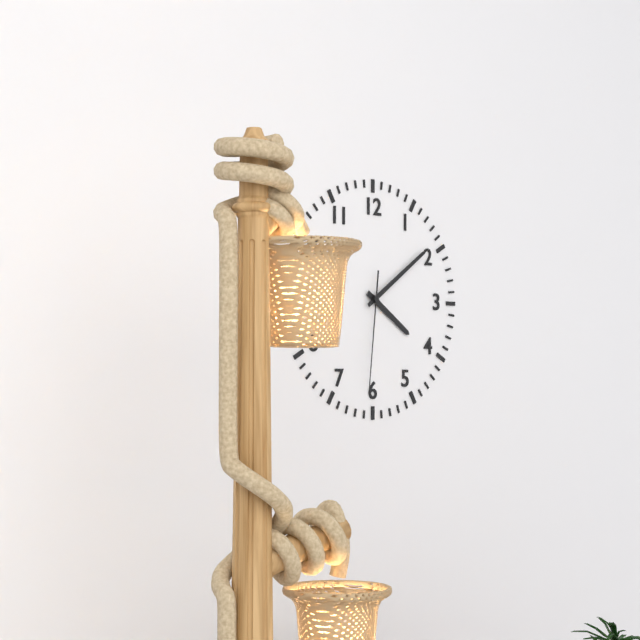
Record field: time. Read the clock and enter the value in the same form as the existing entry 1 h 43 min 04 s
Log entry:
4 h 09 min 31 s
